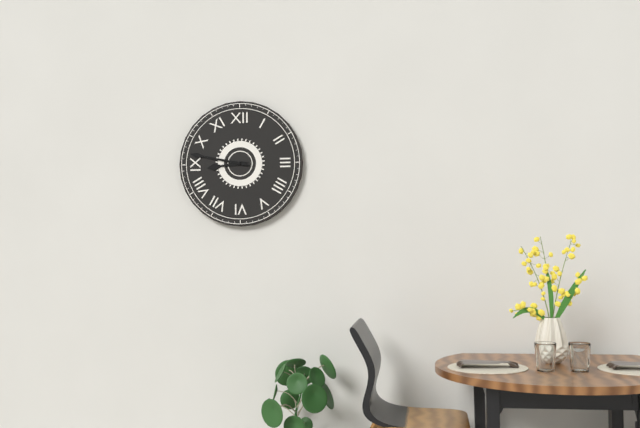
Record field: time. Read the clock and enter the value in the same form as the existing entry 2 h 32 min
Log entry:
8 h 47 min
